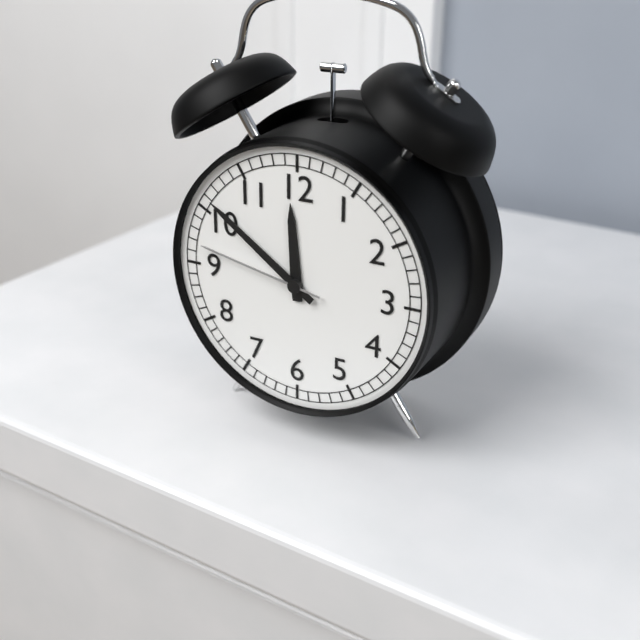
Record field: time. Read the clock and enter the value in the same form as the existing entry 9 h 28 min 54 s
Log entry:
11 h 51 min 47 s
